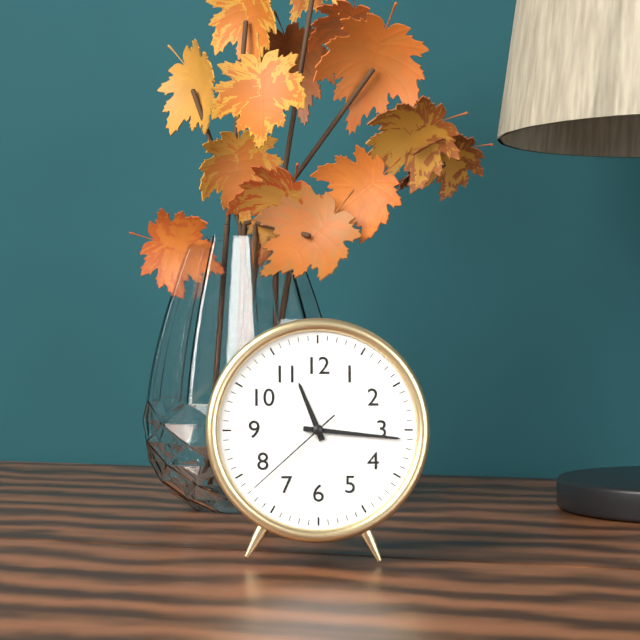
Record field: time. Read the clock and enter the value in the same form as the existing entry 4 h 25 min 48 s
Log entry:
11 h 16 min 38 s
